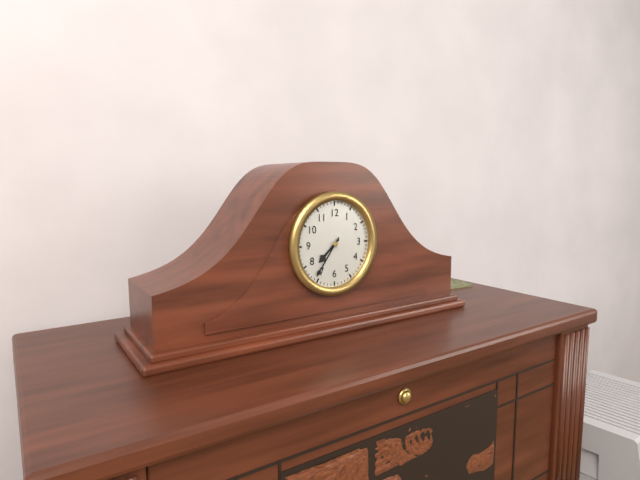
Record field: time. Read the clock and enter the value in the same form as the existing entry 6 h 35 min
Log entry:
7 h 36 min
